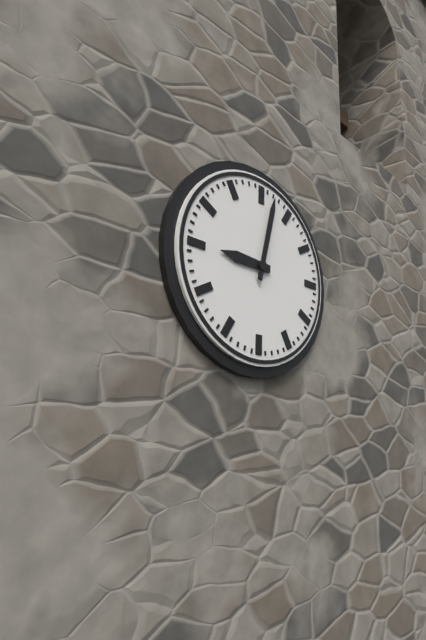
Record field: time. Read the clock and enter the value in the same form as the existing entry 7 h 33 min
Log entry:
9 h 02 min
